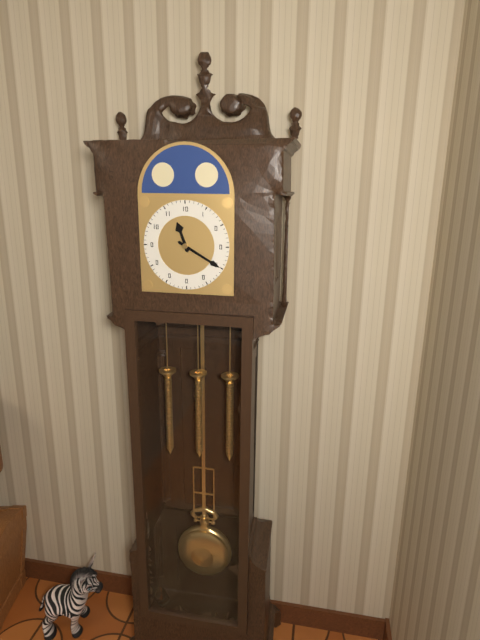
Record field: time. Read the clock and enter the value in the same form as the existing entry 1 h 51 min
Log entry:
11 h 20 min
